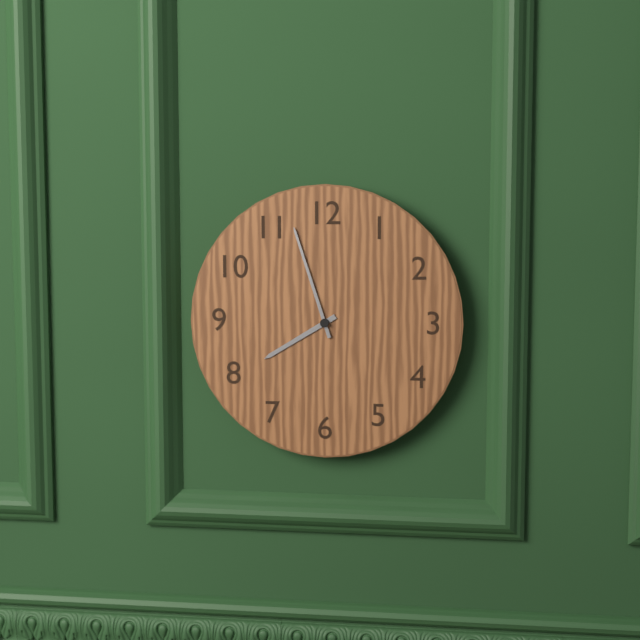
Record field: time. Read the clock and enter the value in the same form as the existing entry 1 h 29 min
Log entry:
7 h 57 min
